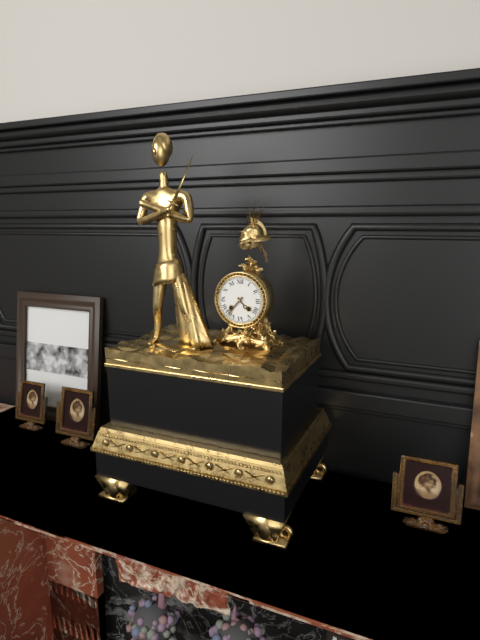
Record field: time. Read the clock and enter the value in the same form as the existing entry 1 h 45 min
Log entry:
4 h 37 min
